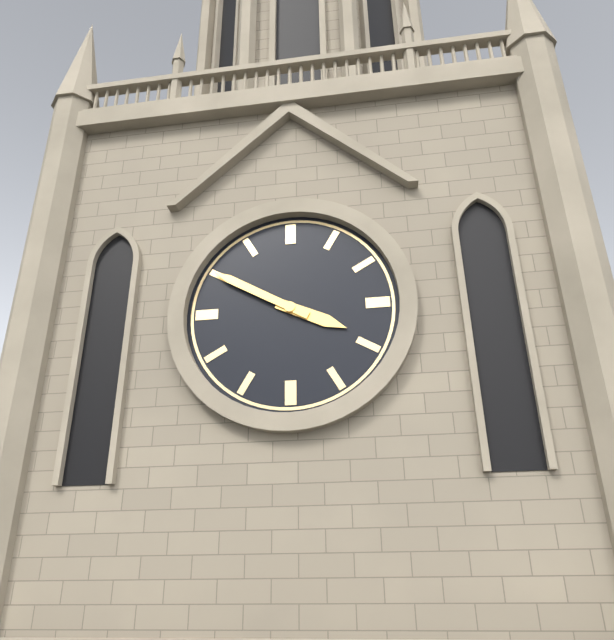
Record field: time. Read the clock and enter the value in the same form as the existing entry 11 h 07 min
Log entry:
3 h 50 min
